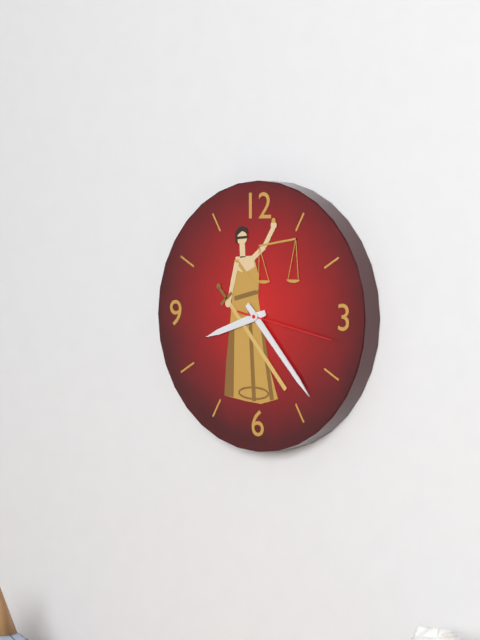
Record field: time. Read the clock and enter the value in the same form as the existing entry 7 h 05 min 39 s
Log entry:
8 h 23 min 17 s
